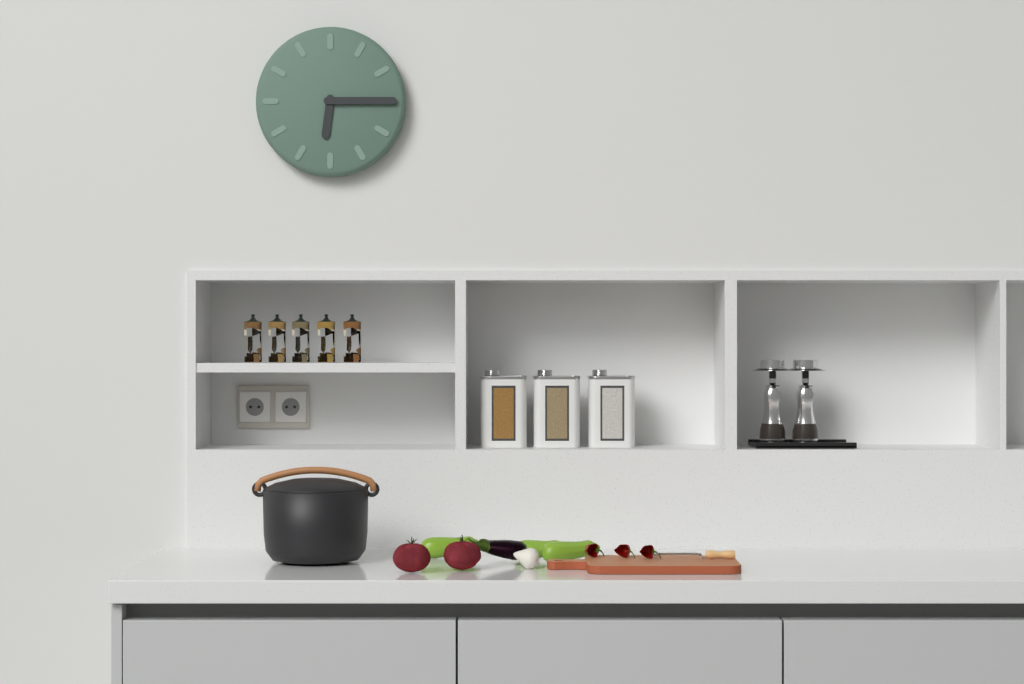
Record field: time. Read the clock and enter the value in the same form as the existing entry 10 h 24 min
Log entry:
6 h 15 min
